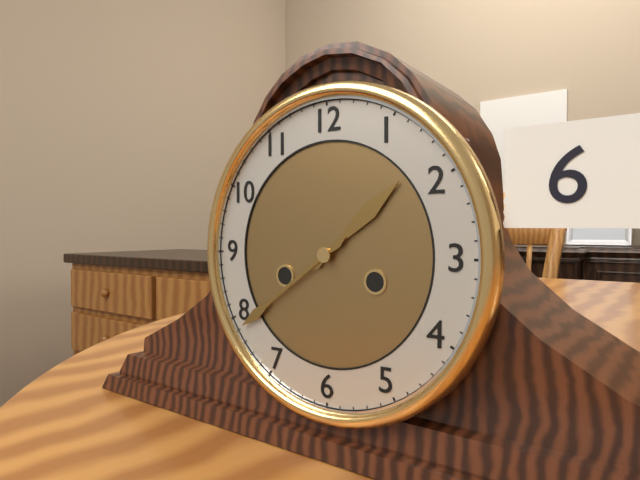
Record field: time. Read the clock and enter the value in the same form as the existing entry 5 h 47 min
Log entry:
1 h 39 min
